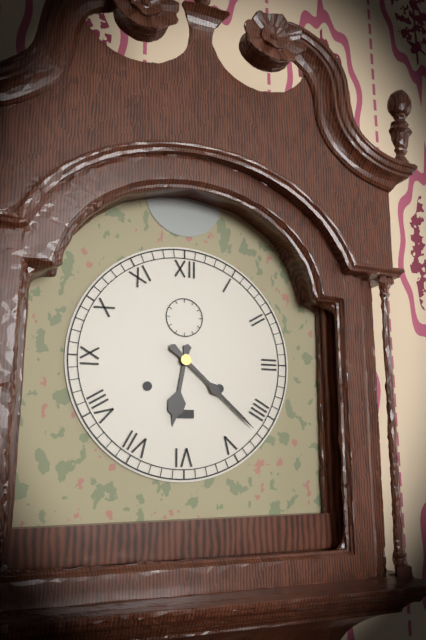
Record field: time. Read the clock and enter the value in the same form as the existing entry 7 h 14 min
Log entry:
6 h 22 min
